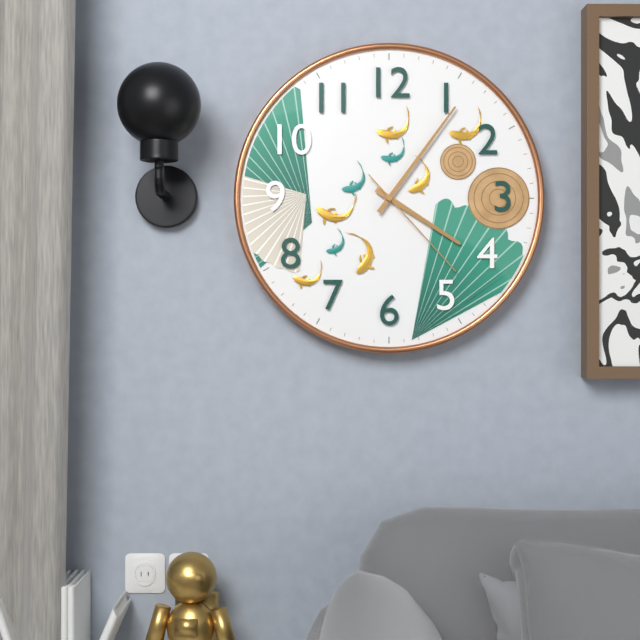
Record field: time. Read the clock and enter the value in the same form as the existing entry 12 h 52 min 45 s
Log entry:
4 h 06 min 23 s
